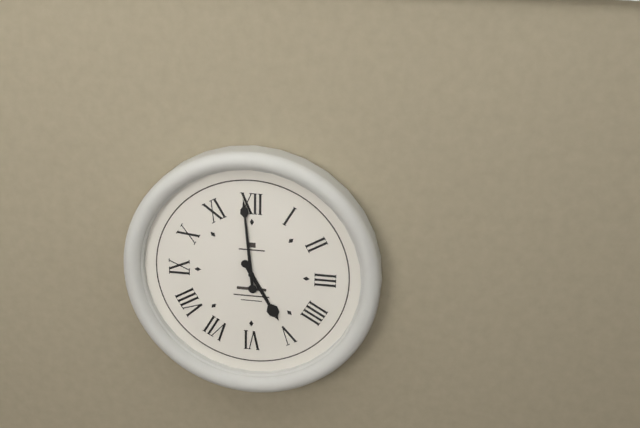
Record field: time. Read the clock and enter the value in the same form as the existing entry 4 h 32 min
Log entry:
4 h 59 min
